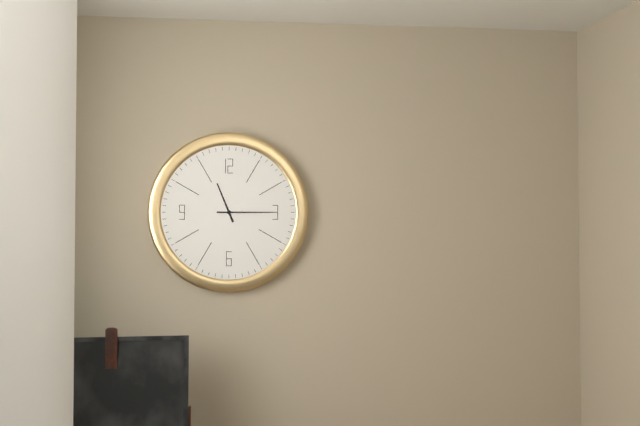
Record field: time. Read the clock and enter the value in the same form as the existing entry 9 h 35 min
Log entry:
11 h 15 min
